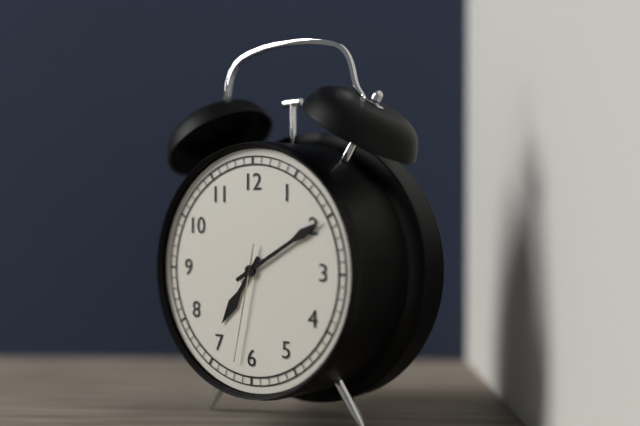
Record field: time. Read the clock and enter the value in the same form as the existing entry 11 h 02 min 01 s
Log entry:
7 h 10 min 32 s
